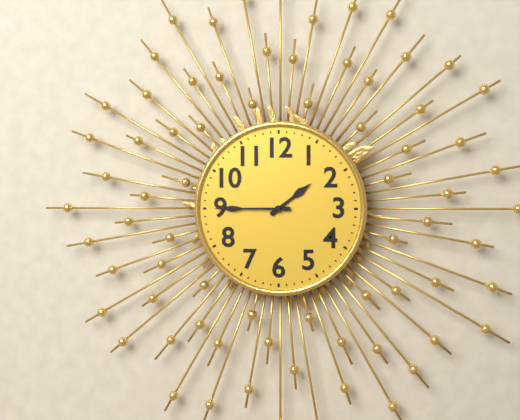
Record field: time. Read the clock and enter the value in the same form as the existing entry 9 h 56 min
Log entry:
1 h 45 min
